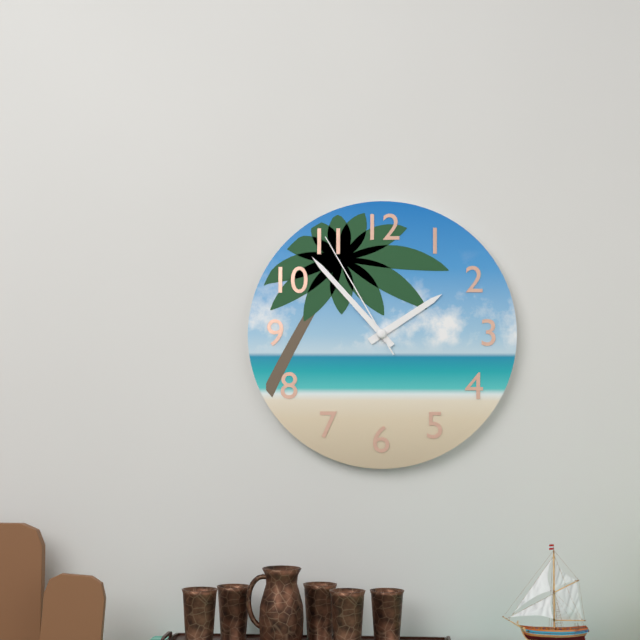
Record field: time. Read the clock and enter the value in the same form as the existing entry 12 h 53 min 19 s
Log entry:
1 h 53 min 55 s
